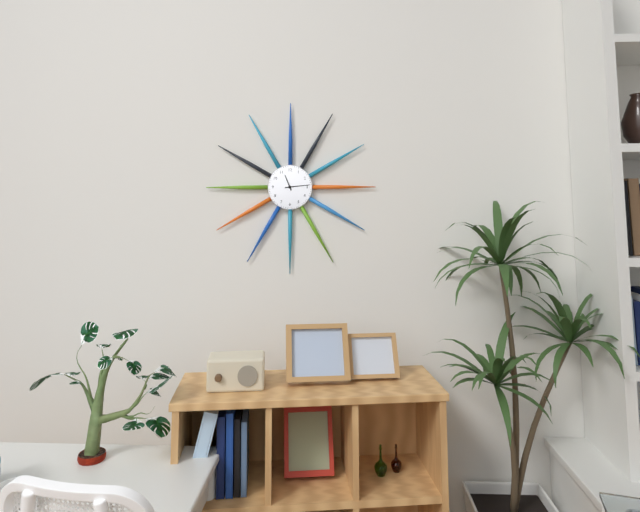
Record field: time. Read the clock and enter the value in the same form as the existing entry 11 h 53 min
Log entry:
11 h 14 min
